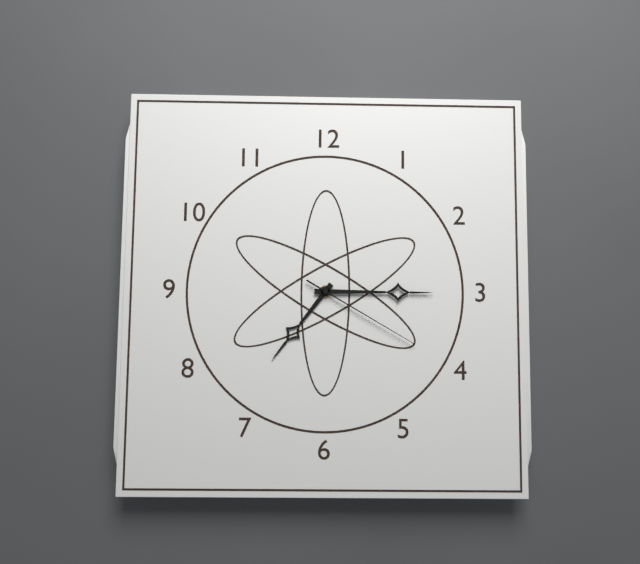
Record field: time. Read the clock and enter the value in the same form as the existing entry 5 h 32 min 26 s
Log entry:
7 h 15 min 20 s
